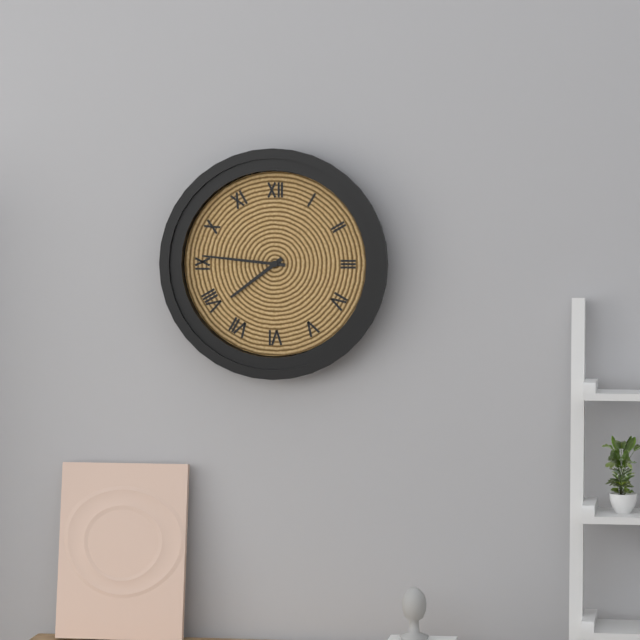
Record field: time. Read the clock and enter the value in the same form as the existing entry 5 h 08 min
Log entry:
7 h 46 min
